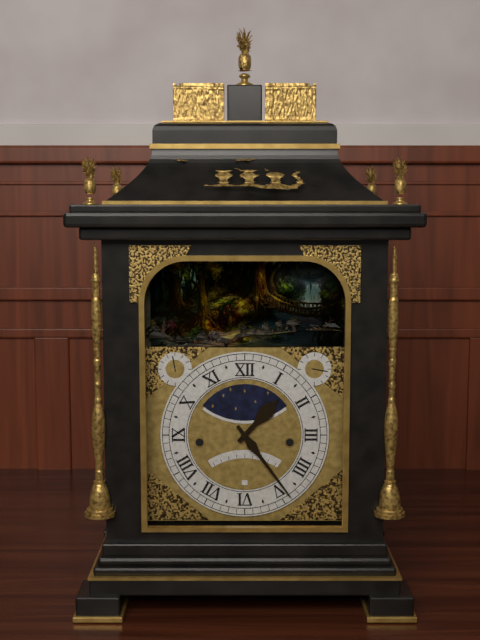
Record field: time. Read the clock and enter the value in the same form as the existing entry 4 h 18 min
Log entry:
1 h 24 min
